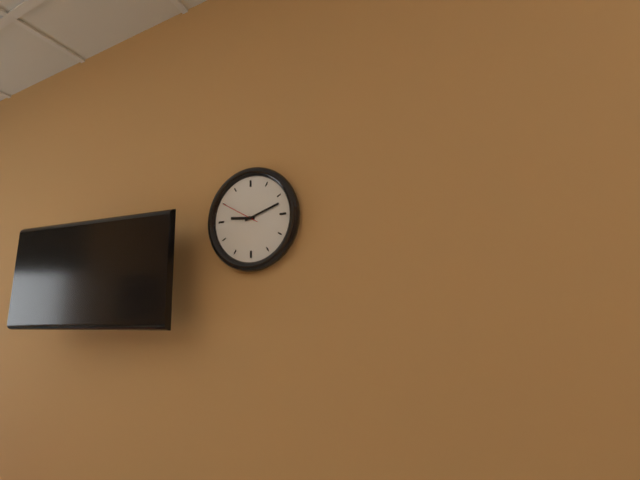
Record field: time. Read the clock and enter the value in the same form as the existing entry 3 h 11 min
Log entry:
9 h 12 min
